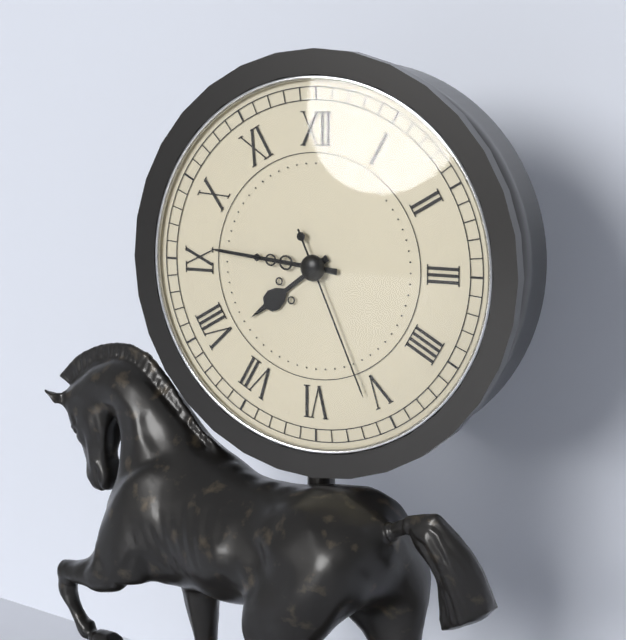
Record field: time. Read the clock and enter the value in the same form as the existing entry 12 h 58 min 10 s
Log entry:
7 h 46 min 26 s
